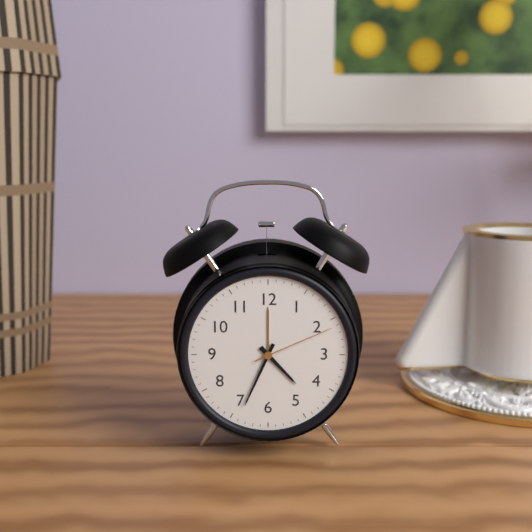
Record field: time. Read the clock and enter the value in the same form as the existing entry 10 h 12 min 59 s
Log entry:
4 h 34 min 11 s
